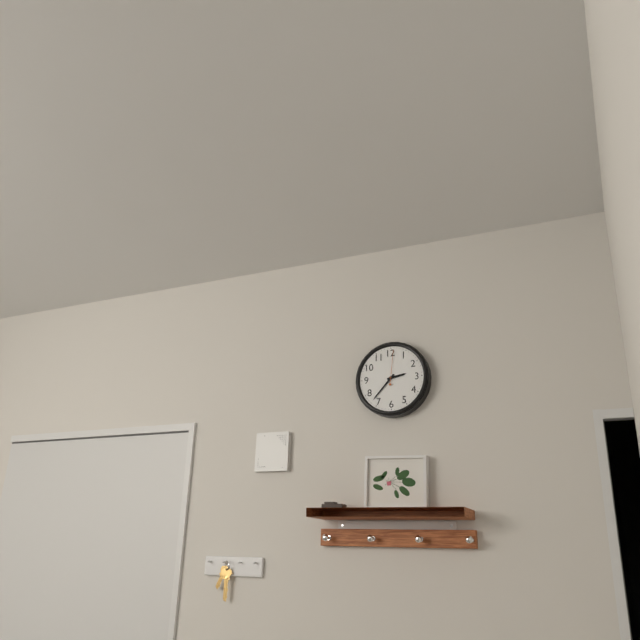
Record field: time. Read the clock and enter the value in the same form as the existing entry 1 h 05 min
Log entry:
2 h 37 min
